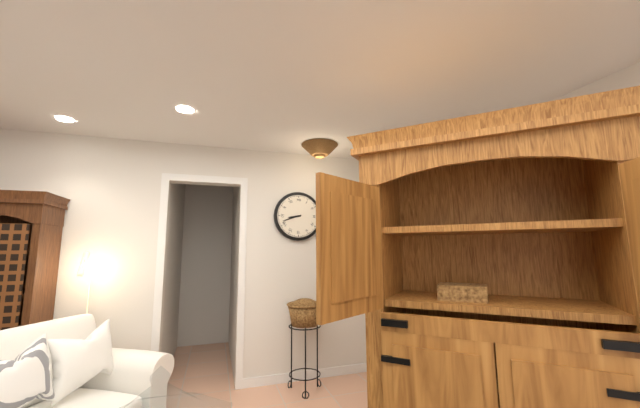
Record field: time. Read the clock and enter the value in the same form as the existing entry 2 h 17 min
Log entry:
8 h 42 min
